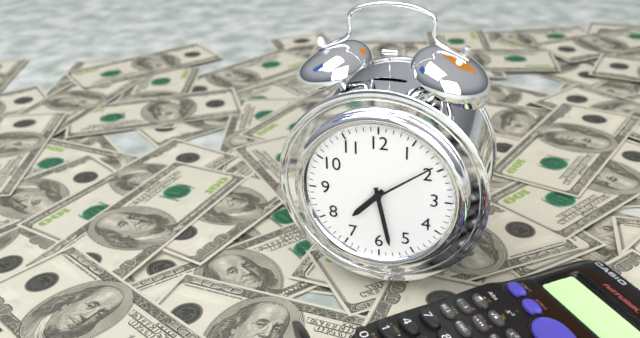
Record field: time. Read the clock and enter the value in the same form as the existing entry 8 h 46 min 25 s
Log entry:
7 h 28 min 09 s
